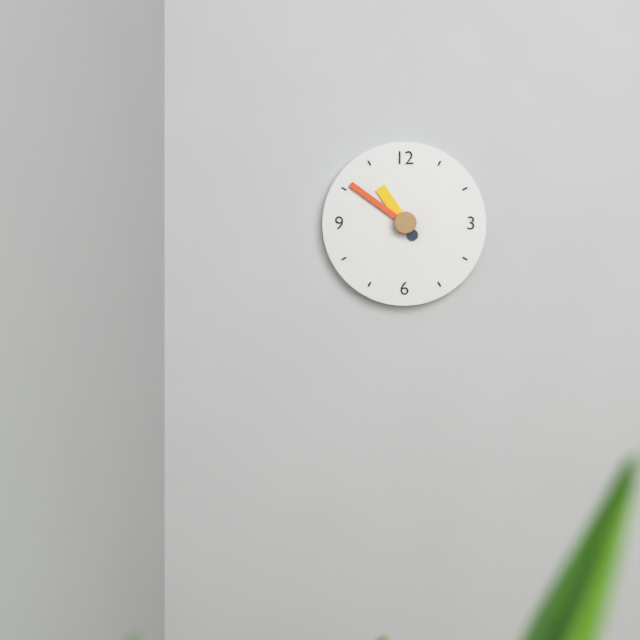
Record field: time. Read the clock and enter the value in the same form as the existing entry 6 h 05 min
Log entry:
10 h 51 min
